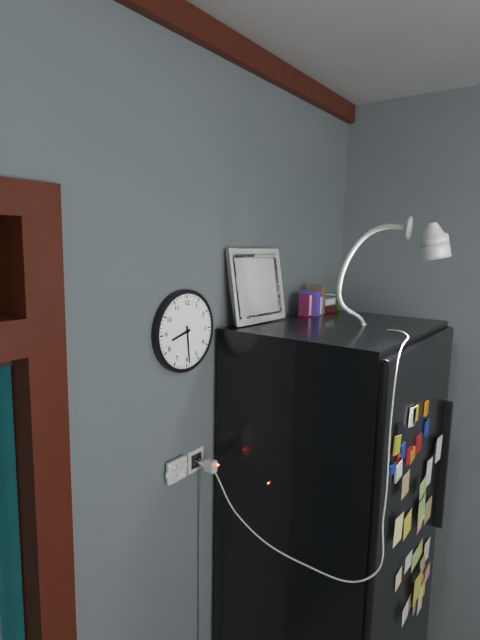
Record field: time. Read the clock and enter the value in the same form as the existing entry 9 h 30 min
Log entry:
8 h 29 min
